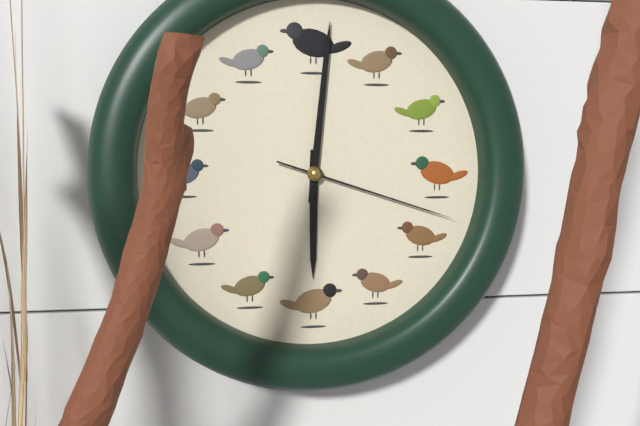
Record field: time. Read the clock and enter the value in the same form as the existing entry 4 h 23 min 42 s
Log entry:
6 h 01 min 18 s
